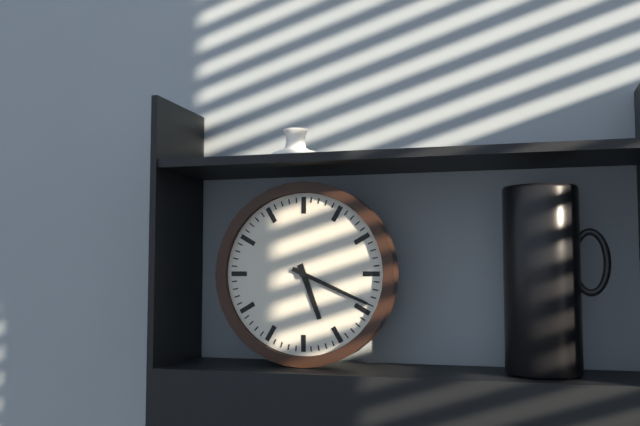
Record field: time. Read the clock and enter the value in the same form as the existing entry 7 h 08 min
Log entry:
5 h 19 min
